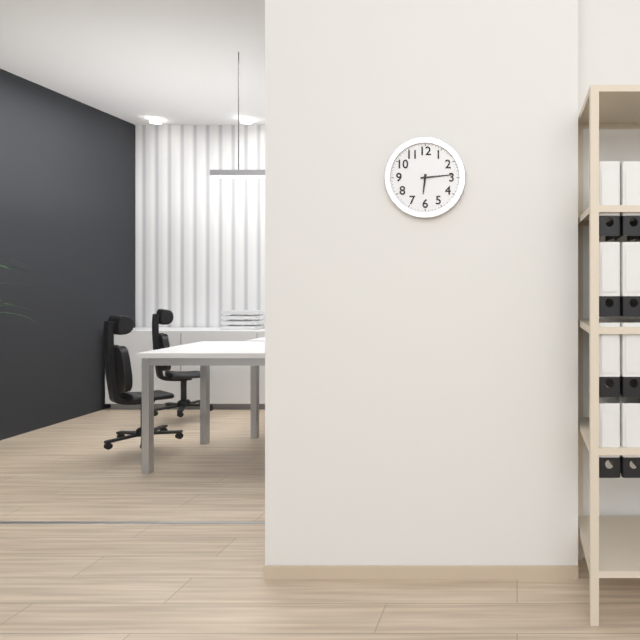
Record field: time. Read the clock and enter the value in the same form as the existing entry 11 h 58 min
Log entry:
6 h 14 min
